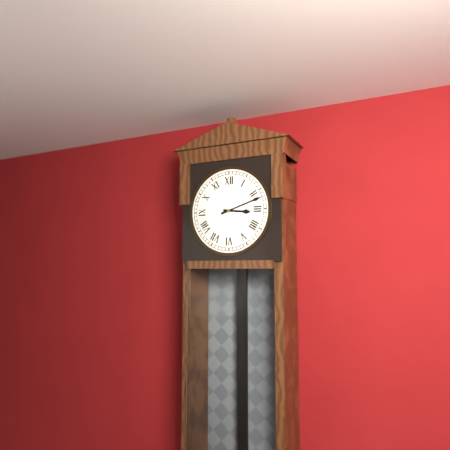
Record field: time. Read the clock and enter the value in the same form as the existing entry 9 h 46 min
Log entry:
3 h 12 min
